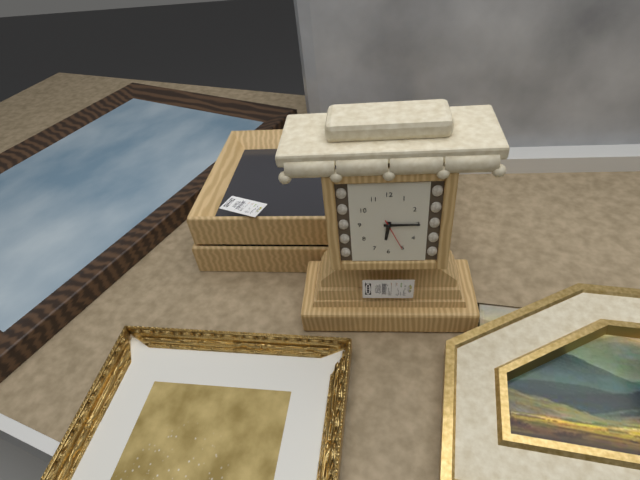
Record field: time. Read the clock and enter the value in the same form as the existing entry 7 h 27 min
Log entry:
6 h 15 min
